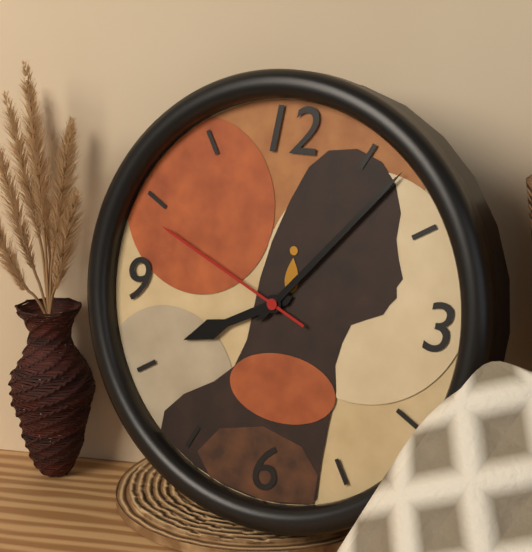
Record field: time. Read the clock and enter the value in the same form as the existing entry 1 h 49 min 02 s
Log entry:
8 h 07 min 49 s
